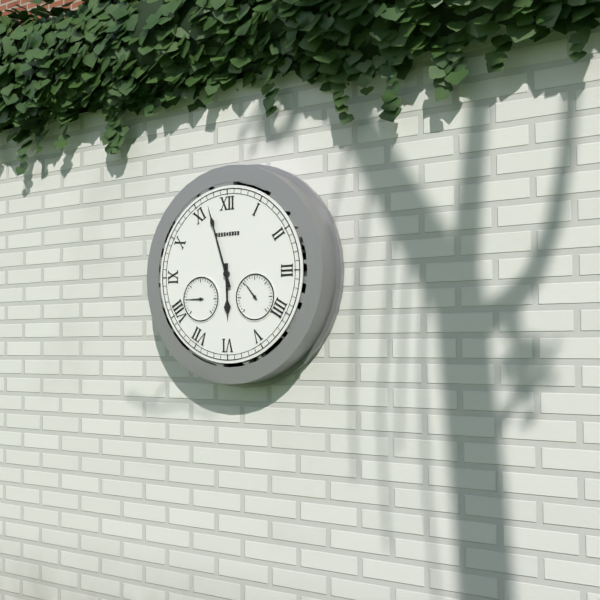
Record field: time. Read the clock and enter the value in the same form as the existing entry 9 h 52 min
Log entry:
5 h 57 min
